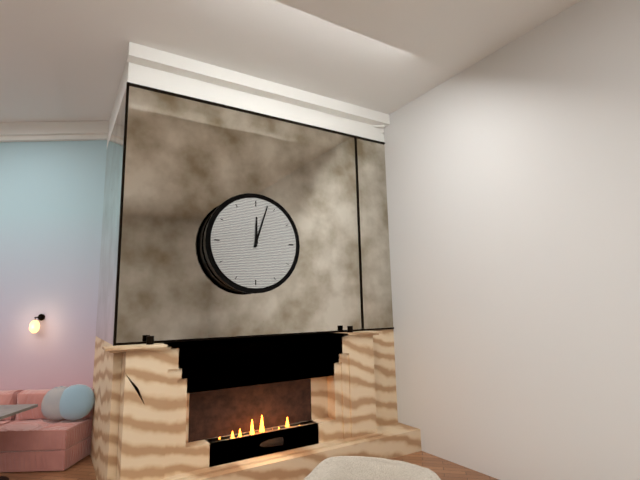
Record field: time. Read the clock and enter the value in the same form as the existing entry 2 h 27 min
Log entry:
12 h 03 min
